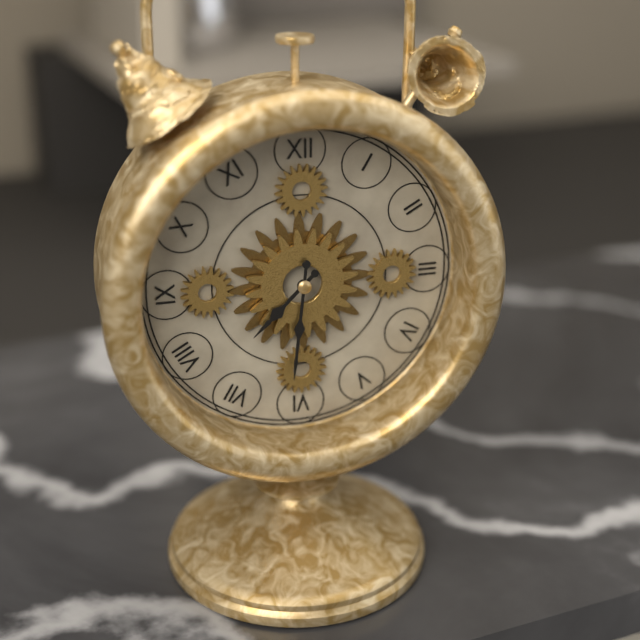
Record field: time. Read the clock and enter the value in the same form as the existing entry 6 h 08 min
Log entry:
7 h 31 min
